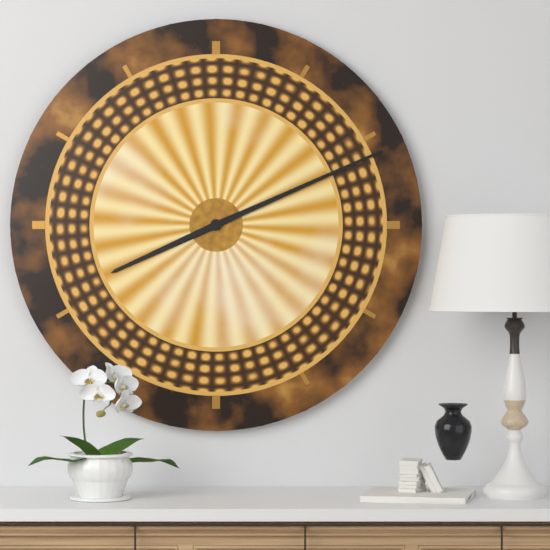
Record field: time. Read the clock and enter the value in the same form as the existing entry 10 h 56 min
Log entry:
8 h 11 min
